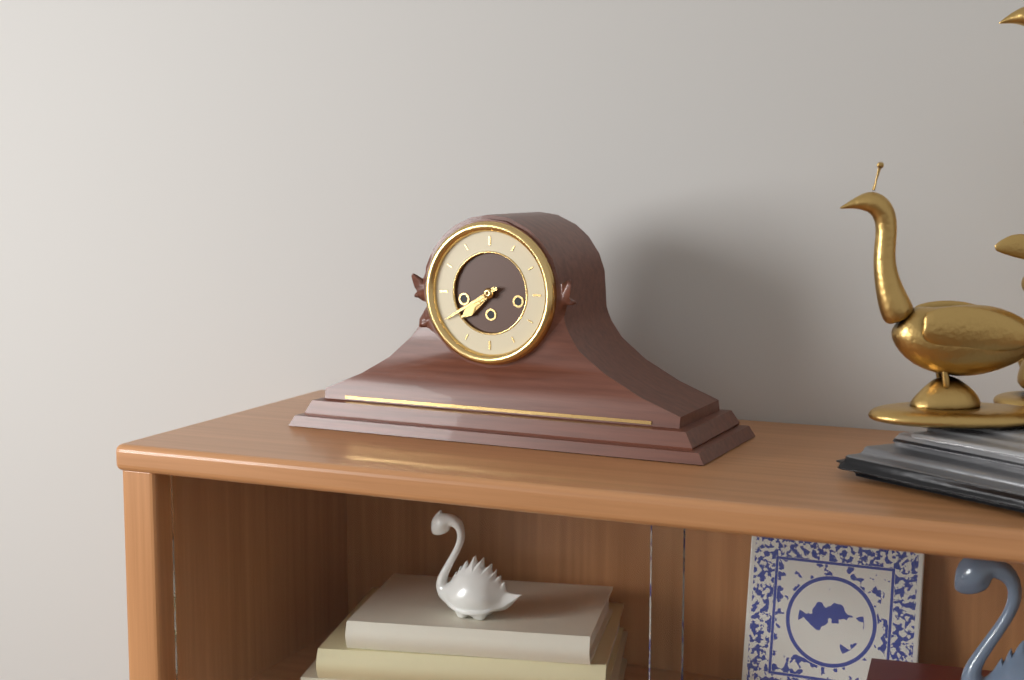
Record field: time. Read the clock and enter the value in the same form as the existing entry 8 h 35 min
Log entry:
7 h 40 min
